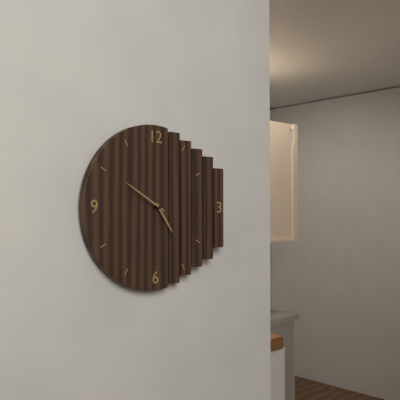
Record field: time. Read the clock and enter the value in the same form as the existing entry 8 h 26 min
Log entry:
4 h 50 min
